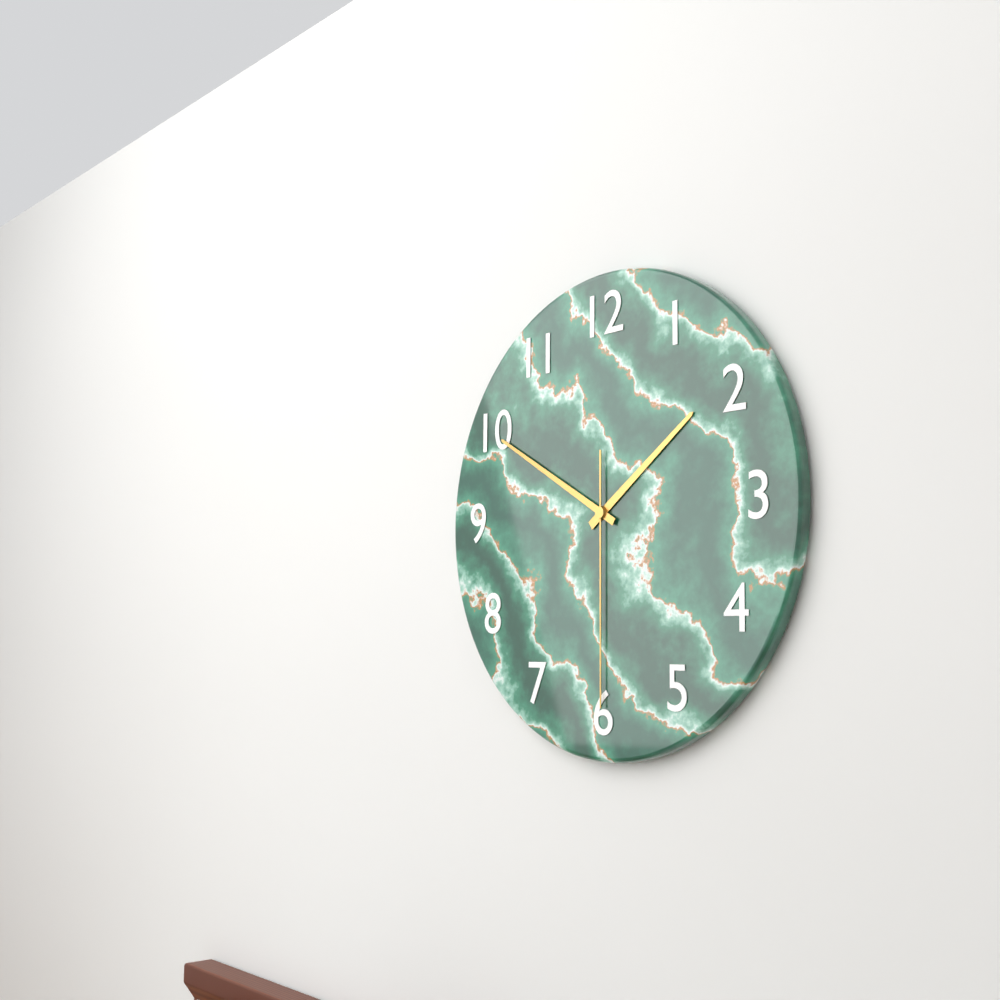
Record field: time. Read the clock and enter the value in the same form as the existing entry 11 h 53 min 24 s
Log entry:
1 h 50 min 30 s
